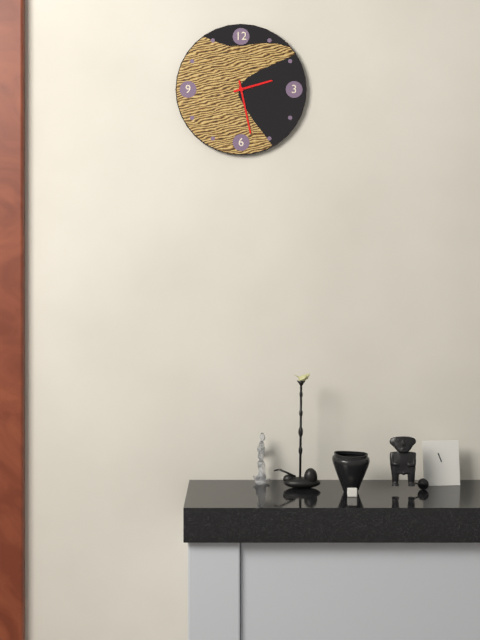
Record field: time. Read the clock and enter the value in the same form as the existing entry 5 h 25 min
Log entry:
2 h 28 min
